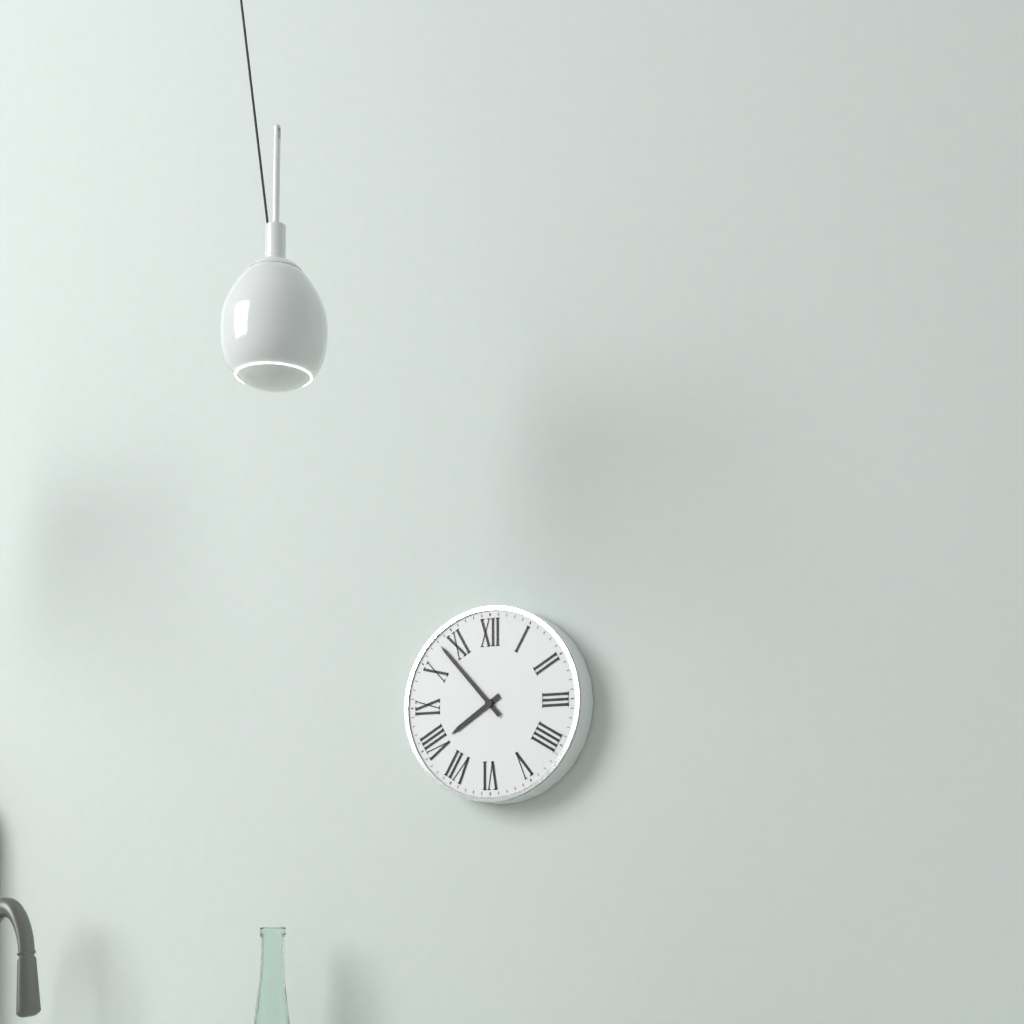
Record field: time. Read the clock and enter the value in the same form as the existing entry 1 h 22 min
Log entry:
7 h 53 min
